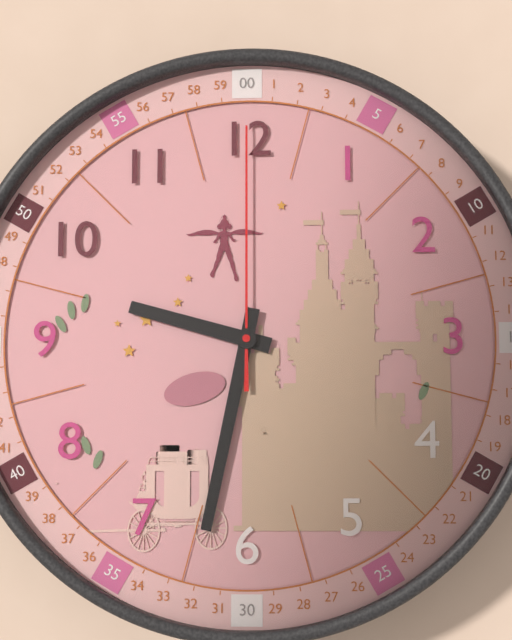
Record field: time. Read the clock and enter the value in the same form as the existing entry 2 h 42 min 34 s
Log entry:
9 h 32 min 00 s
